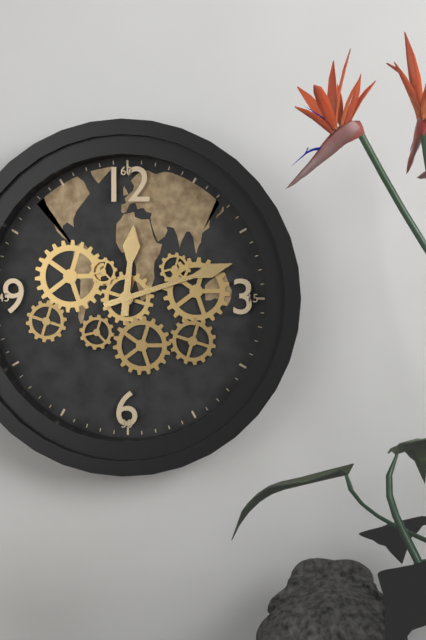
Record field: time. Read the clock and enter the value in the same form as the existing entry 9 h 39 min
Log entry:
12 h 12 min
